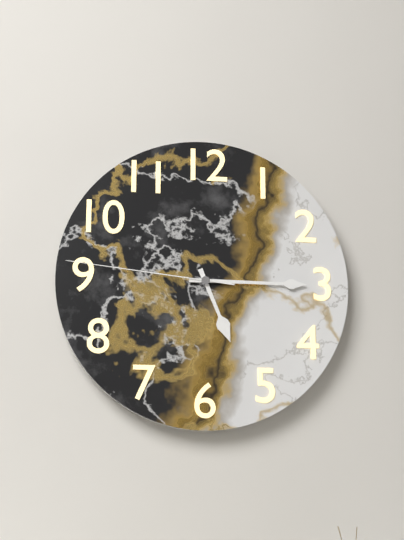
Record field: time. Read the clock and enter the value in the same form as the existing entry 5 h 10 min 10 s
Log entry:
5 h 15 min 46 s
